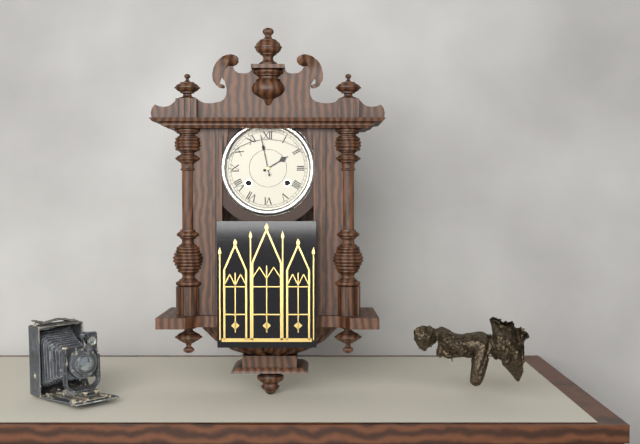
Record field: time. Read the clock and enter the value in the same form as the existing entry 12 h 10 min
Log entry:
1 h 58 min
